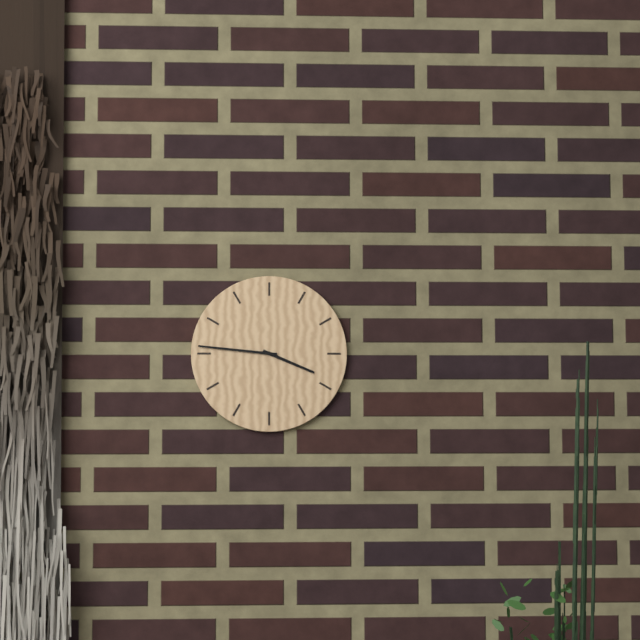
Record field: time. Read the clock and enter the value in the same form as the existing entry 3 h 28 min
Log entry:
3 h 46 min
